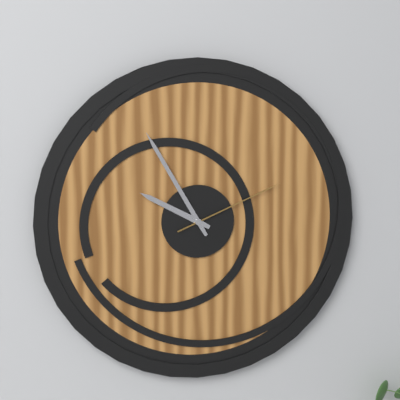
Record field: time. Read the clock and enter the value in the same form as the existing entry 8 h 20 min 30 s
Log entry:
9 h 55 min 11 s
